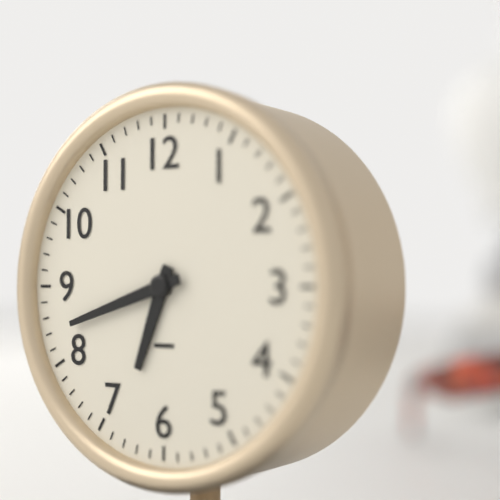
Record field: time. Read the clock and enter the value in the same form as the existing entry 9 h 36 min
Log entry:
6 h 42 min
